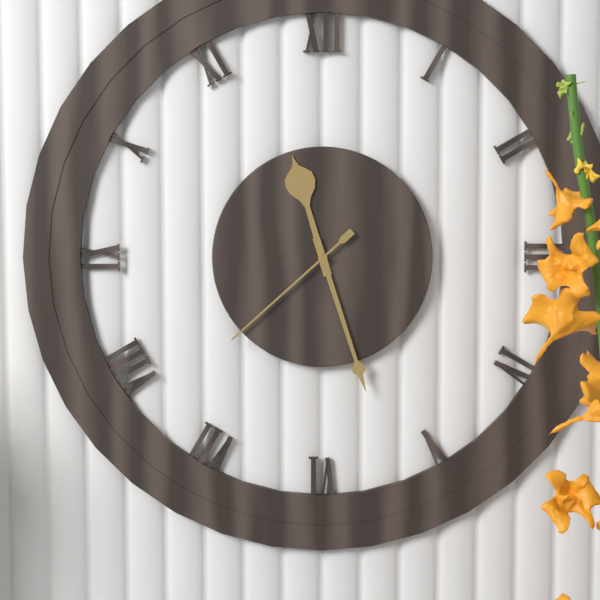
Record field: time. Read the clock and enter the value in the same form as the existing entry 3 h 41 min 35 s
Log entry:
11 h 27 min 38 s
